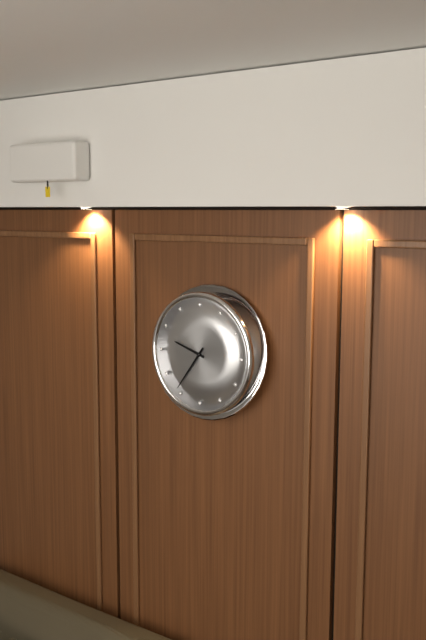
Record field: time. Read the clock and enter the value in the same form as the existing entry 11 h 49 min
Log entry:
9 h 36 min
